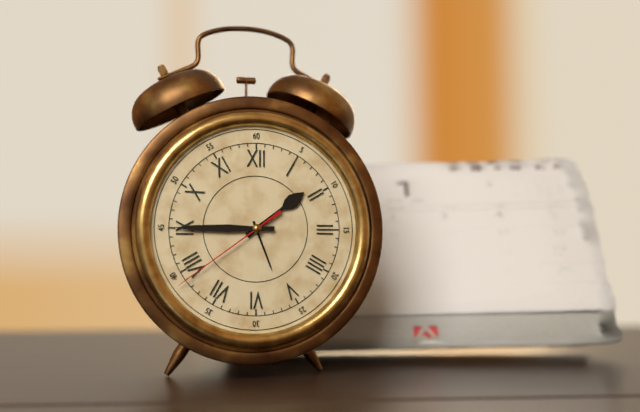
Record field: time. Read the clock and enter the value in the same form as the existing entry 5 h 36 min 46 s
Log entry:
1 h 45 min 39 s
